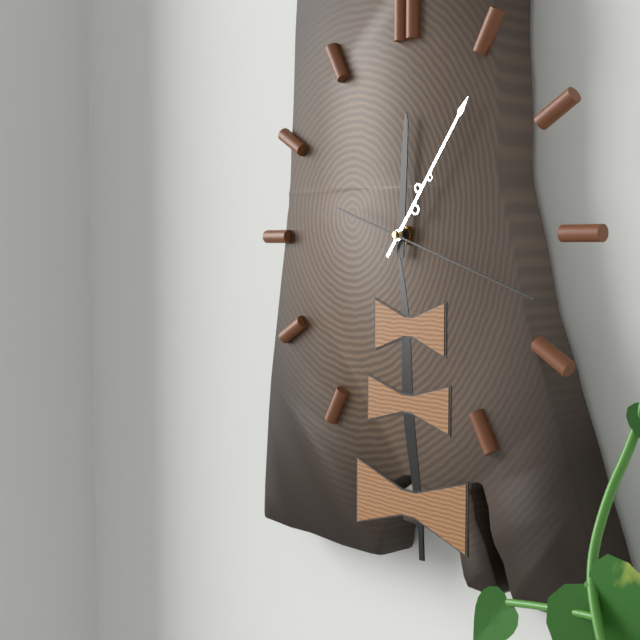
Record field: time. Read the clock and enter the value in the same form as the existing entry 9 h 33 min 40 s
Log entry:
12 h 06 min 18 s
